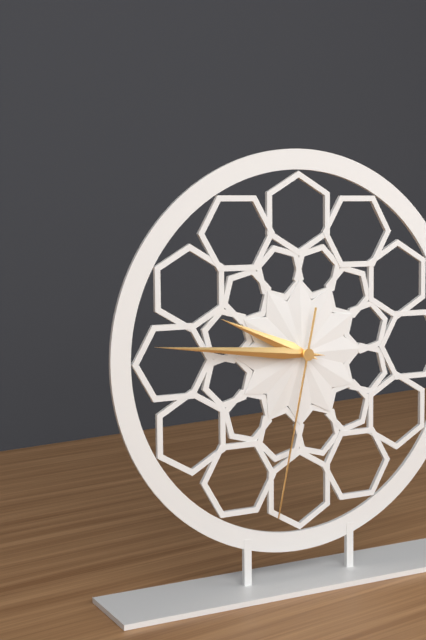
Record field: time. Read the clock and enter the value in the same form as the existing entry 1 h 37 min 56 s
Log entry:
9 h 46 min 32 s
